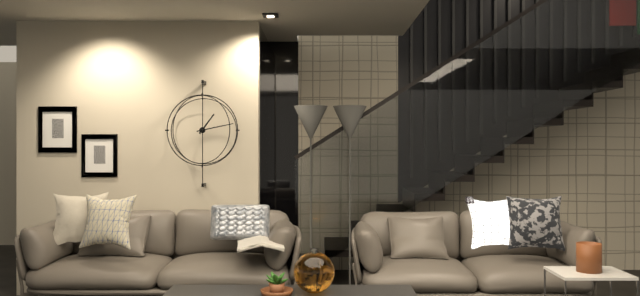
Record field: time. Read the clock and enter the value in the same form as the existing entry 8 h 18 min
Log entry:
1 h 13 min
